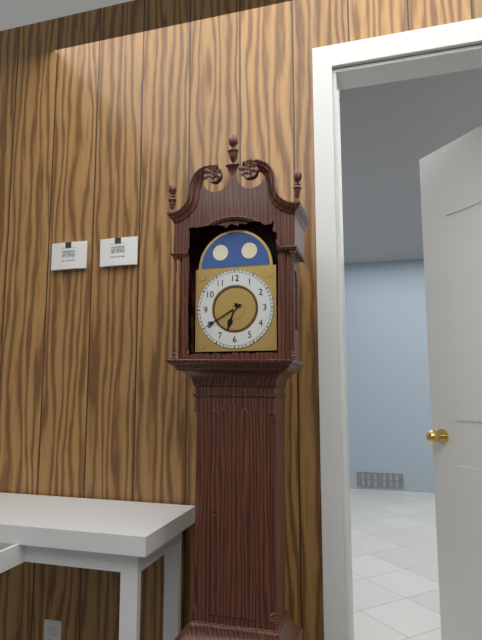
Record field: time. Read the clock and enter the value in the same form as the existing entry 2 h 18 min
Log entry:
6 h 40 min
